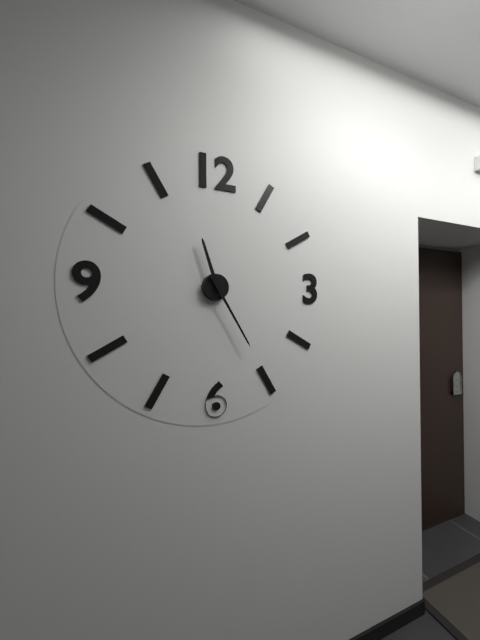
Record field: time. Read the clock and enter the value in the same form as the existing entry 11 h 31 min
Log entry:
11 h 25 min
